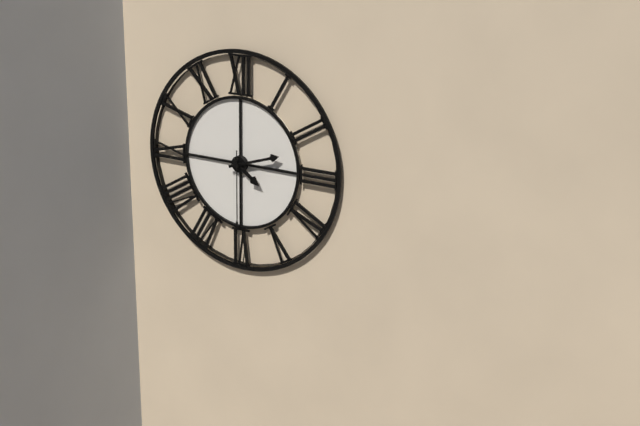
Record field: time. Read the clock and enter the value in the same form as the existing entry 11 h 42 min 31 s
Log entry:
4 h 12 min 30 s
